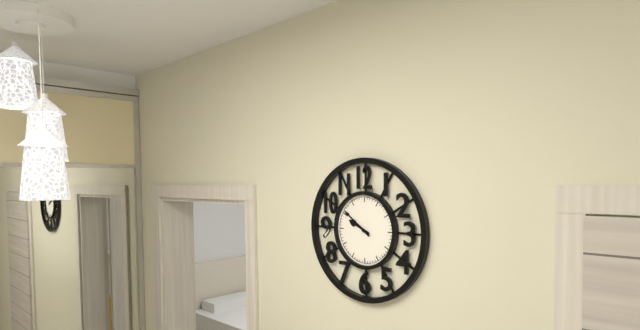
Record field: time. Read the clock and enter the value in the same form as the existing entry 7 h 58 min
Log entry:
9 h 51 min
